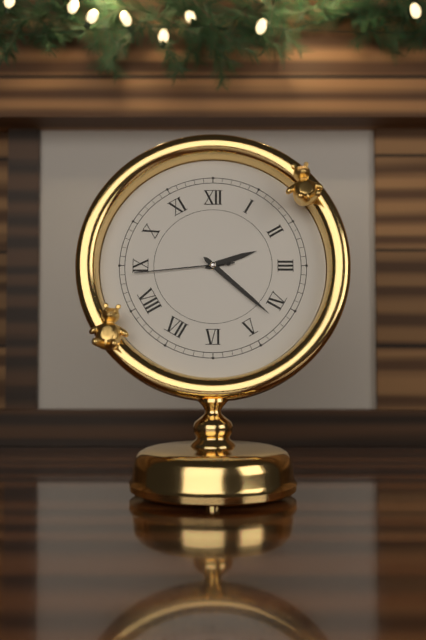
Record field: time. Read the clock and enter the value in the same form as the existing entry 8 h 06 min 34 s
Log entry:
2 h 22 min 44 s
